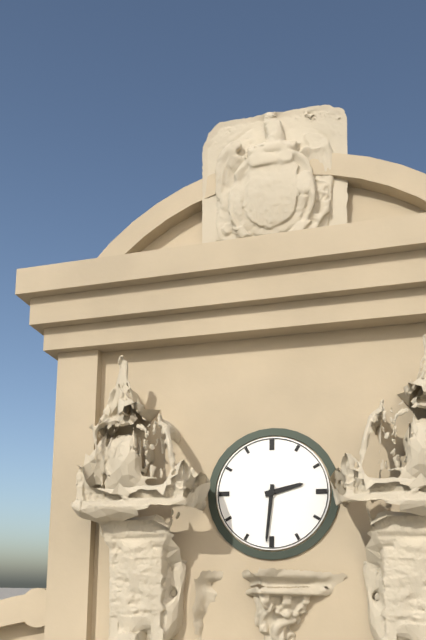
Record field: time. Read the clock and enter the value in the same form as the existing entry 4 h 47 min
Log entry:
2 h 31 min
